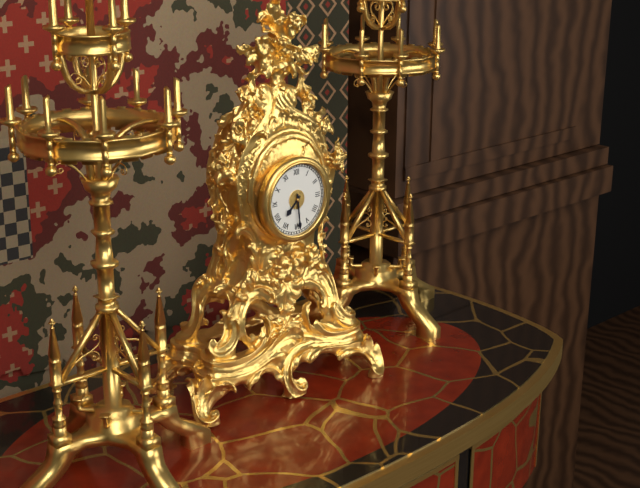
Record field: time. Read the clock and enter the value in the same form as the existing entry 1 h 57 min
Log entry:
7 h 29 min
